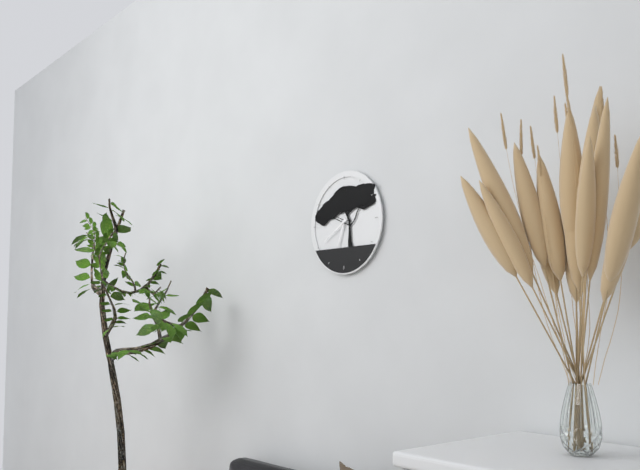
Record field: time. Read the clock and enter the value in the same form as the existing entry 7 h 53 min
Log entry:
6 h 40 min
